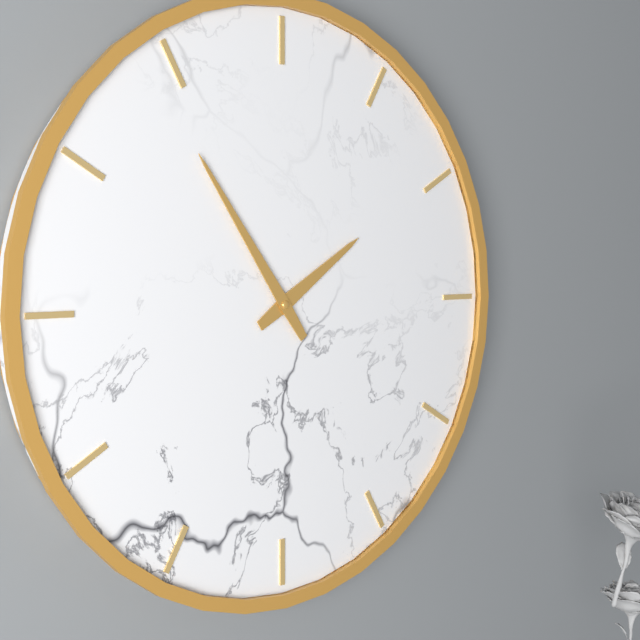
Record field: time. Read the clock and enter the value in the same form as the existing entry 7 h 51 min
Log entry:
1 h 54 min
